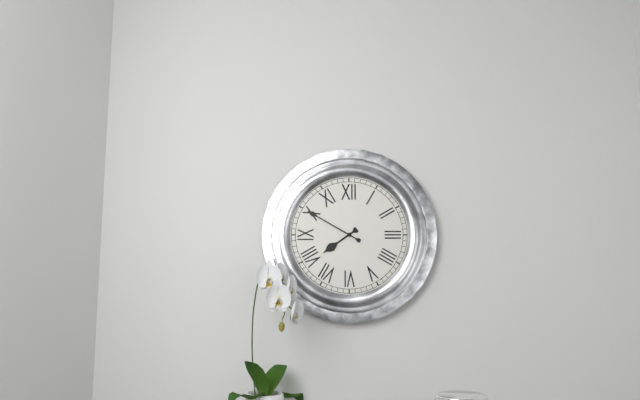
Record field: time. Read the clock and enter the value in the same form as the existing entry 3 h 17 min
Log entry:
7 h 50 min
